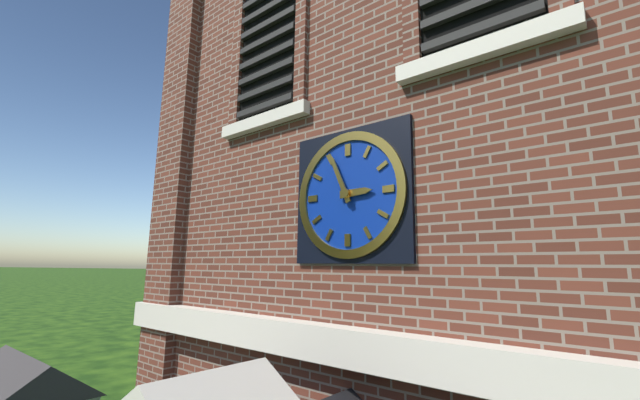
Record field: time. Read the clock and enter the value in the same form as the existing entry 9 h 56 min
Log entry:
2 h 56 min
